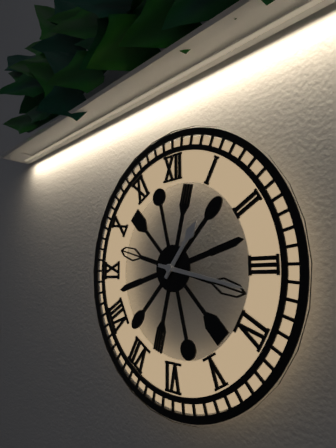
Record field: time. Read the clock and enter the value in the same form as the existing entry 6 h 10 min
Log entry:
1 h 17 min
